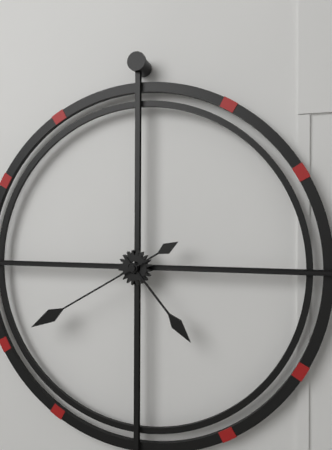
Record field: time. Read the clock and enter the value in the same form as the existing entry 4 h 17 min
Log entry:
4 h 40 min
